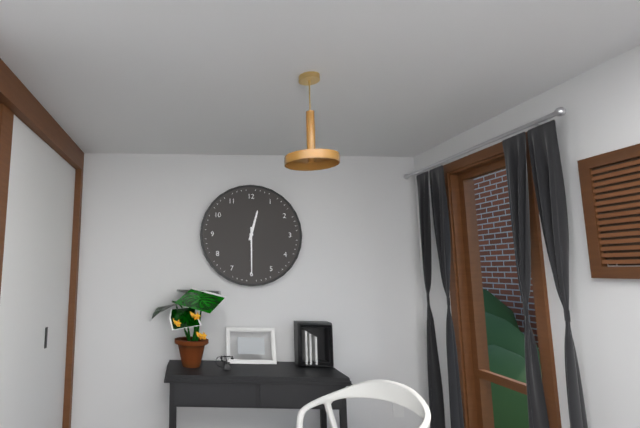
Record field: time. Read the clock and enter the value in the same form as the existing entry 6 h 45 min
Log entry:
12 h 30 min
